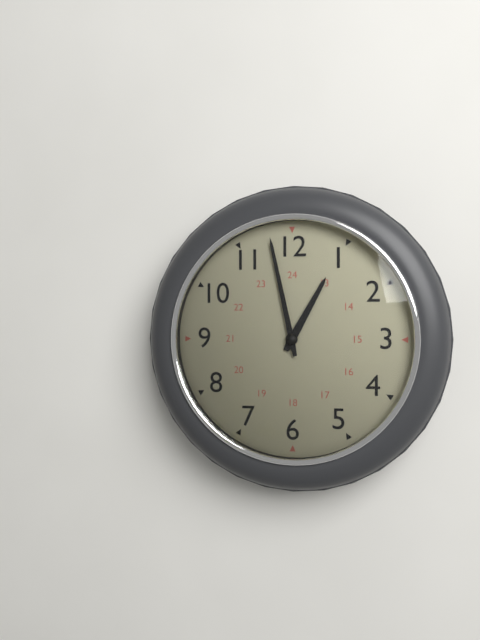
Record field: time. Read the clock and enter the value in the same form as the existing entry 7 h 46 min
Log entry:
12 h 58 min
